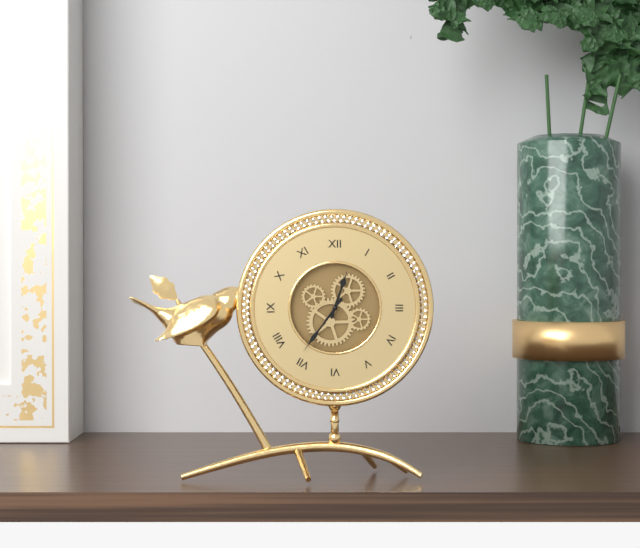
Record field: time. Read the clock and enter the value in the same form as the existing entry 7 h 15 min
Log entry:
12 h 36 min
